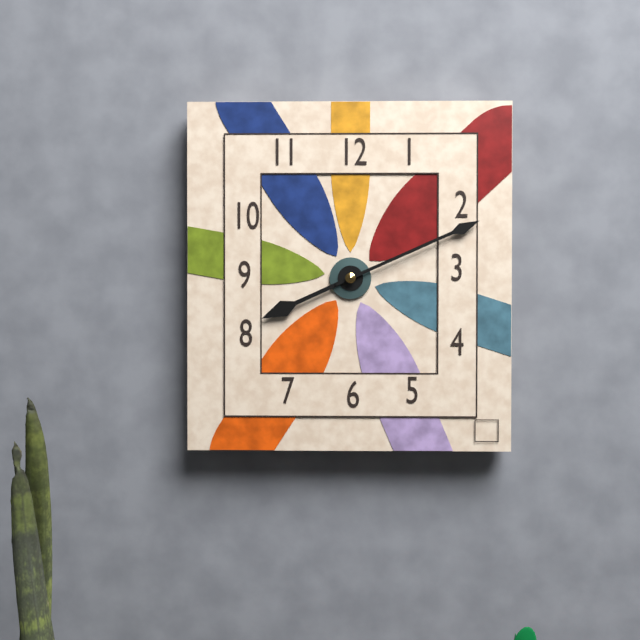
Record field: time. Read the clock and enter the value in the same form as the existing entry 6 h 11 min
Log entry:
8 h 11 min
